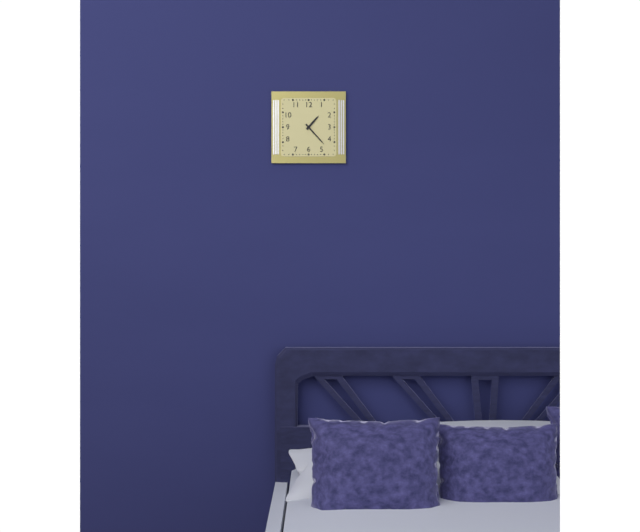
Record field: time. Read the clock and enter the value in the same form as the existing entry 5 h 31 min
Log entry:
1 h 23 min
